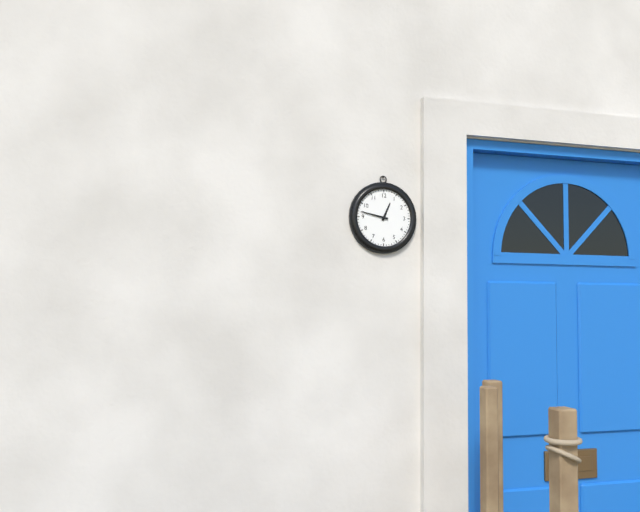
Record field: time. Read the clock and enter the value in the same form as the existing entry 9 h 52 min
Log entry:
12 h 47 min
